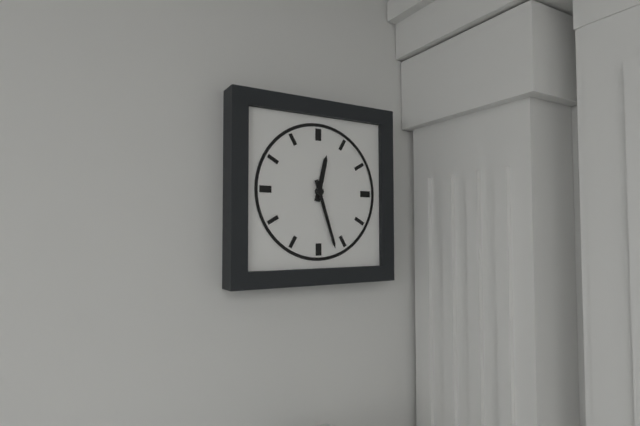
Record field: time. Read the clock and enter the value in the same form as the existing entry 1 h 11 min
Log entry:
12 h 27 min
